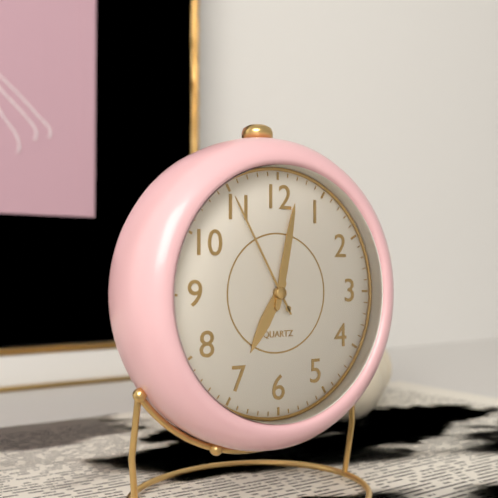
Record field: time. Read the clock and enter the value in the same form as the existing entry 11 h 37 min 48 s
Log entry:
7 h 02 min 55 s
